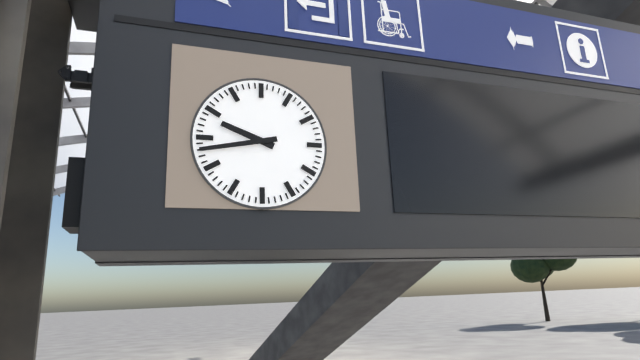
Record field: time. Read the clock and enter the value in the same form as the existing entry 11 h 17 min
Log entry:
9 h 43 min
